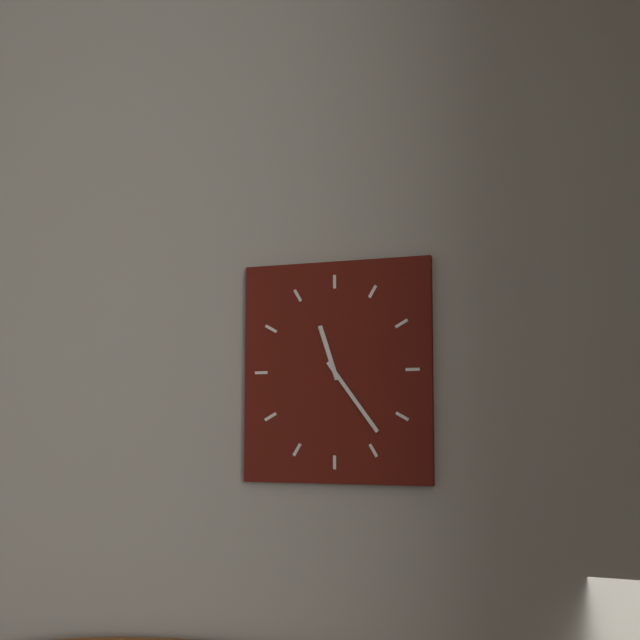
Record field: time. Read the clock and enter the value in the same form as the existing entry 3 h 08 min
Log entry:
11 h 24 min
